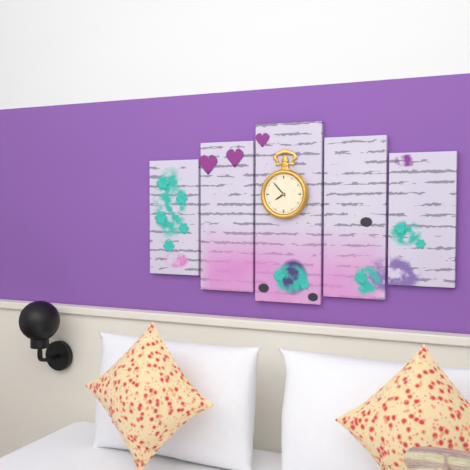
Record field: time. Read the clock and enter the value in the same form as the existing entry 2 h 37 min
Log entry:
7 h 53 min
